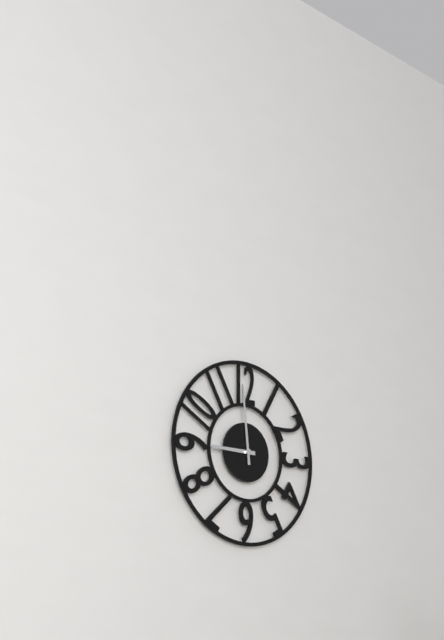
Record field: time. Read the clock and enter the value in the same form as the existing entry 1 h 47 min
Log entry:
8 h 59 min
